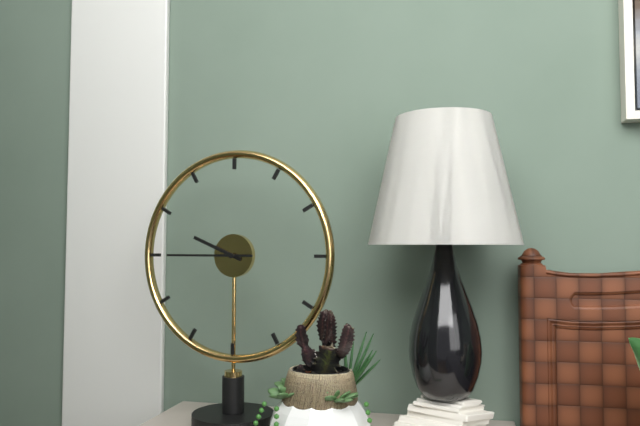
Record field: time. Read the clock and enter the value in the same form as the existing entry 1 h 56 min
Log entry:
9 h 45 min
